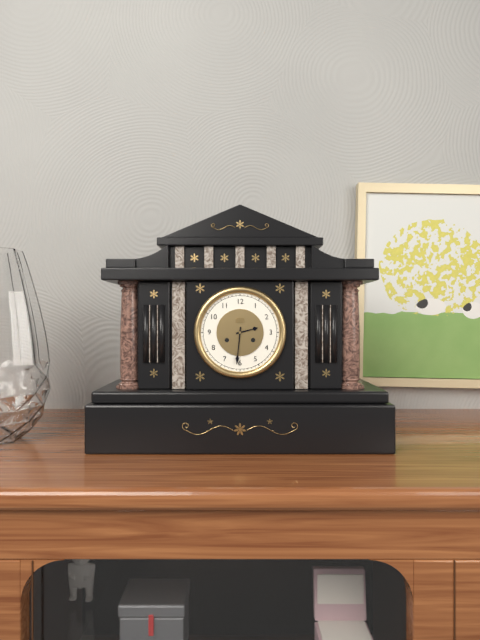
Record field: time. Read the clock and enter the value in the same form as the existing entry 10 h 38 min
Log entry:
2 h 31 min
